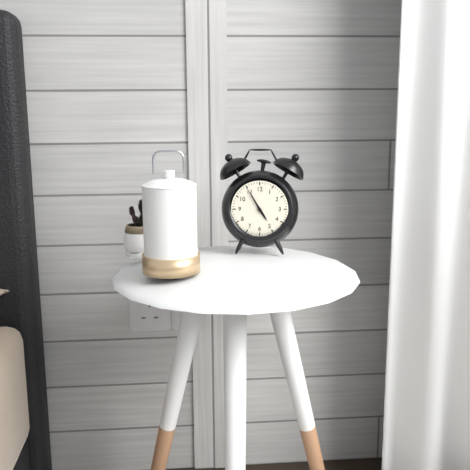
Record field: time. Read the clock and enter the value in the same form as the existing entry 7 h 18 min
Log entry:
4 h 55 min
